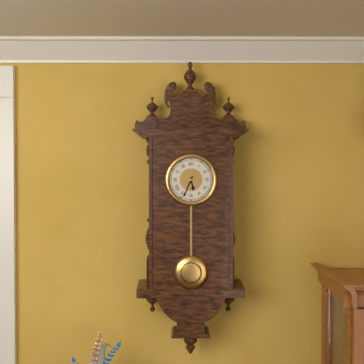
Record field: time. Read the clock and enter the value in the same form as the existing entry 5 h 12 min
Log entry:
5 h 34 min
